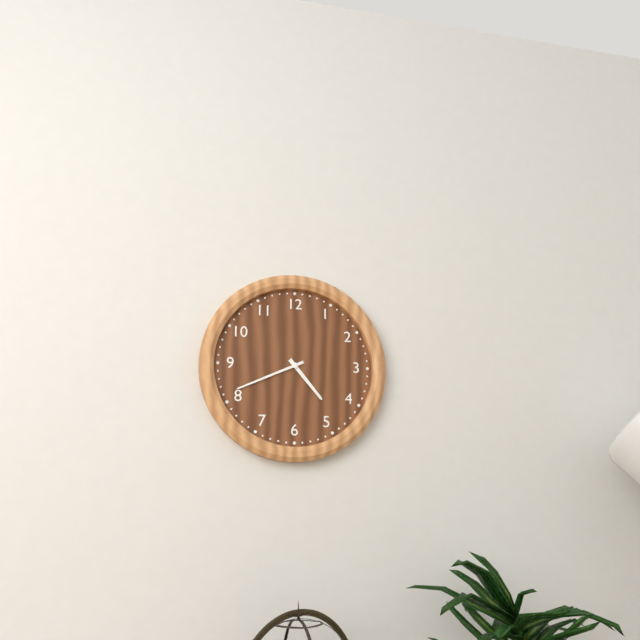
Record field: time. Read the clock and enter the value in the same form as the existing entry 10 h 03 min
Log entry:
4 h 41 min
